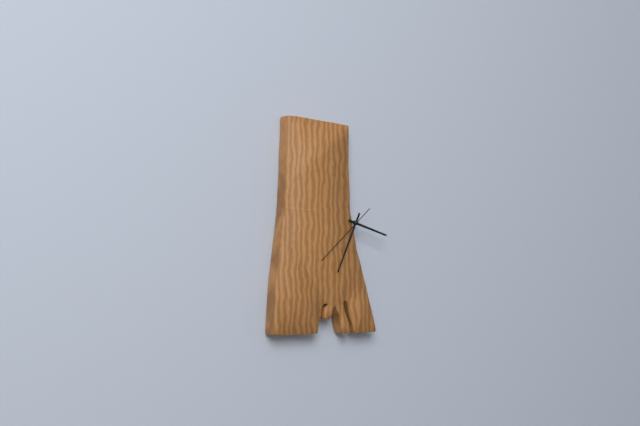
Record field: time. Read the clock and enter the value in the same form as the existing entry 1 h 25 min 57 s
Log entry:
3 h 34 min 38 s
